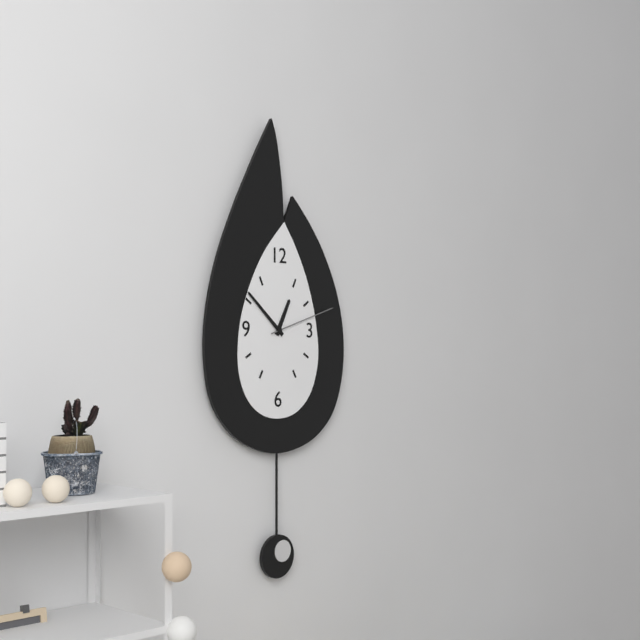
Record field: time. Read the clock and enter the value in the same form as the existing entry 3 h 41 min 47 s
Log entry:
12 h 52 min 12 s
